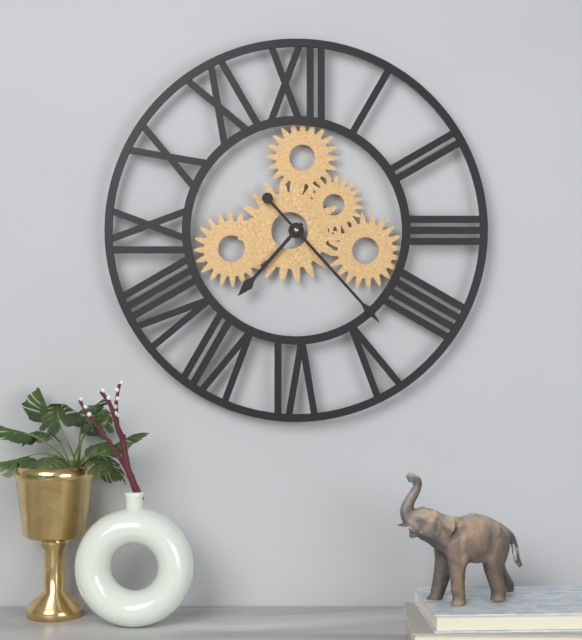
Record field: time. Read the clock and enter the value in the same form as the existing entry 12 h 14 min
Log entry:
7 h 23 min
